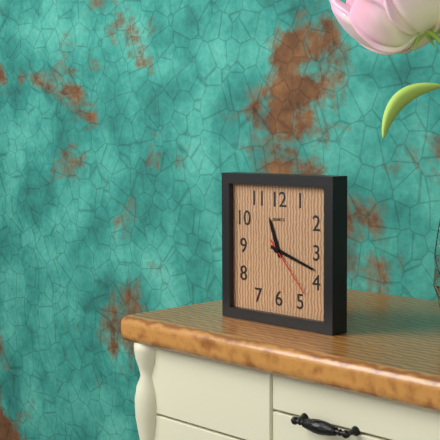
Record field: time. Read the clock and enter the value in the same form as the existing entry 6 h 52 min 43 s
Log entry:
11 h 18 min 23 s
